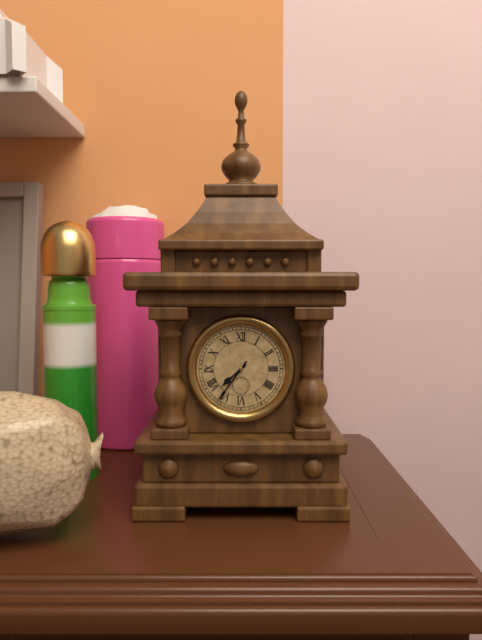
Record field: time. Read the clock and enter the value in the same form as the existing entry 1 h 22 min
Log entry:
7 h 36 min
